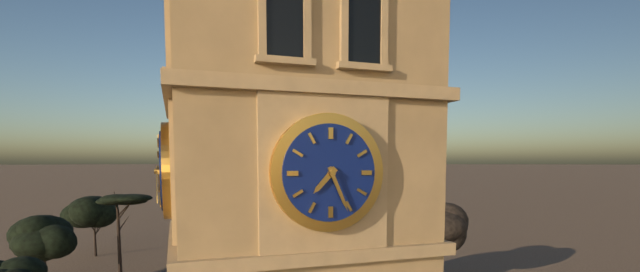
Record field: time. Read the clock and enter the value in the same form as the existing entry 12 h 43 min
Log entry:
7 h 26 min
